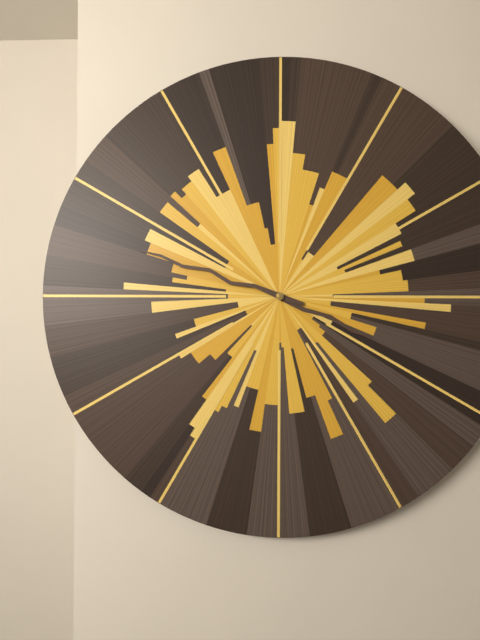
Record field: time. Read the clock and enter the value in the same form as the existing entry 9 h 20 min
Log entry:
3 h 48 min
